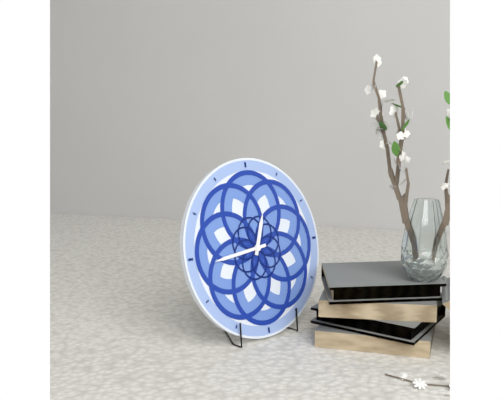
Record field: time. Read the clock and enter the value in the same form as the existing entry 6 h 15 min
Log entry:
12 h 44 min
